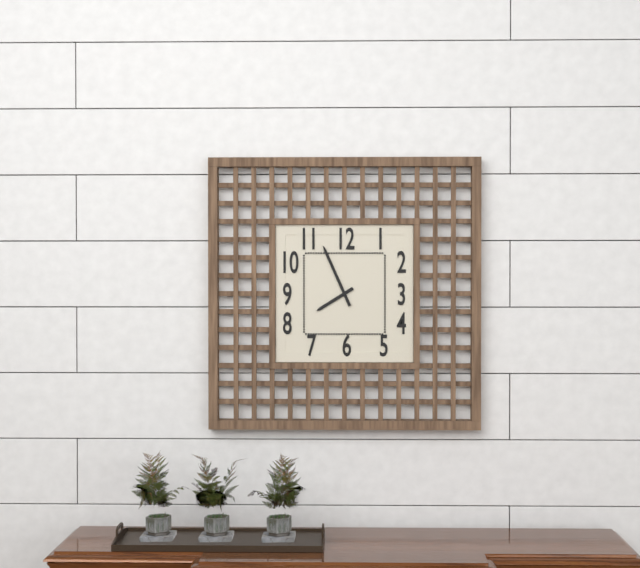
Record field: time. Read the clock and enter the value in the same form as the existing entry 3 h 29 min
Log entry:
7 h 56 min
